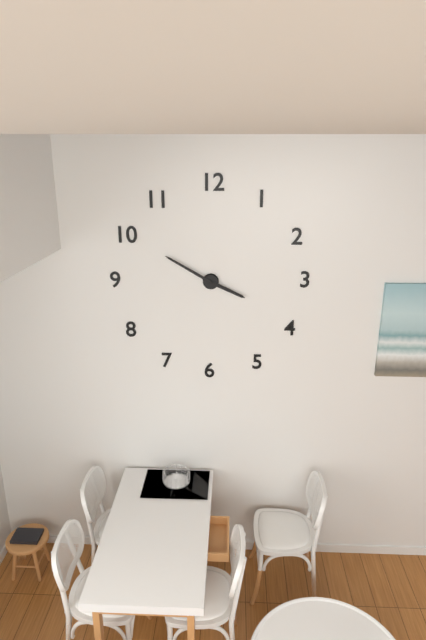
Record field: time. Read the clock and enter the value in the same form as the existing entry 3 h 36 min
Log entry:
3 h 50 min
